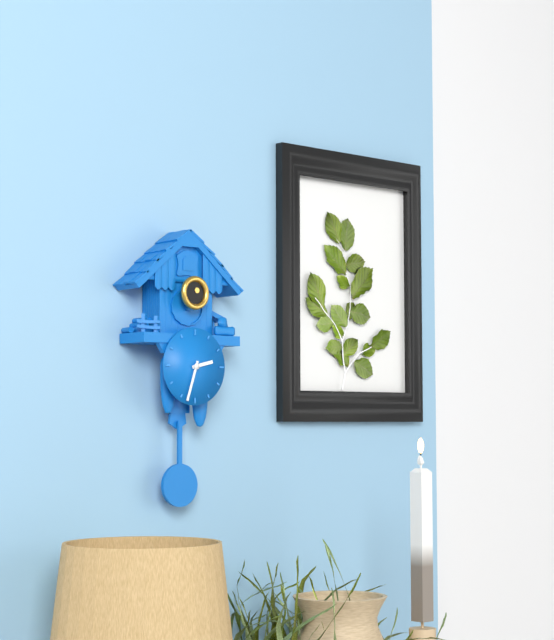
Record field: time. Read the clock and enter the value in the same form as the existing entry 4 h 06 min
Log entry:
2 h 33 min
